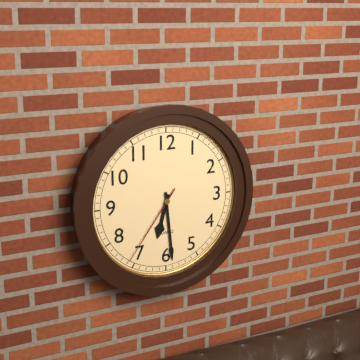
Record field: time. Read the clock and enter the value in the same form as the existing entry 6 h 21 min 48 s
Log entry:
6 h 29 min 36 s
